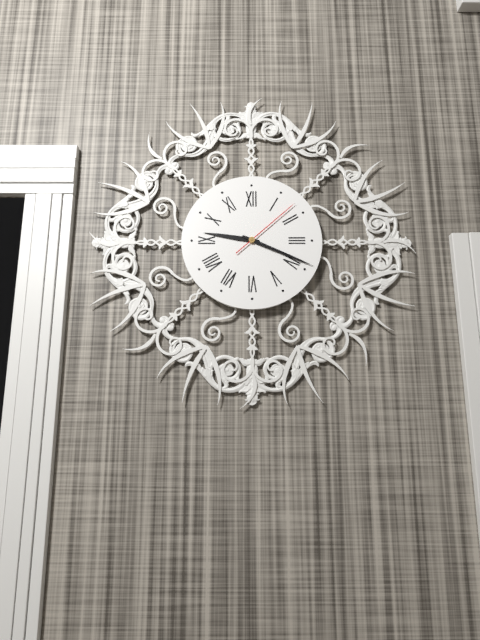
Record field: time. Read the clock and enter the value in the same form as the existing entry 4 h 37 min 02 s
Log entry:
9 h 19 min 08 s
